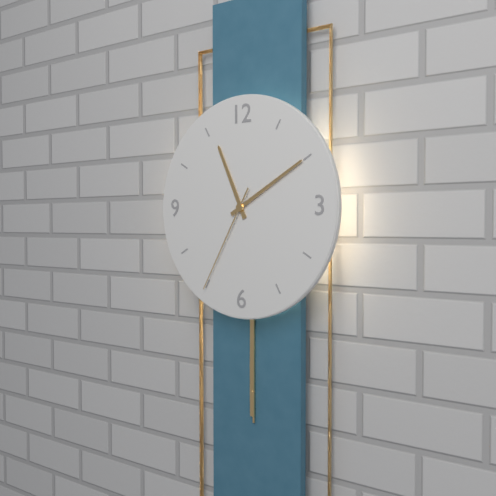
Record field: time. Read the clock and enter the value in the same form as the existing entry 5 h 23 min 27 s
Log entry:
11 h 10 min 35 s
